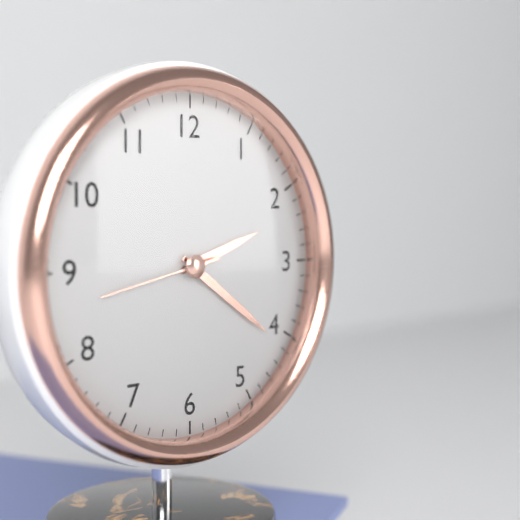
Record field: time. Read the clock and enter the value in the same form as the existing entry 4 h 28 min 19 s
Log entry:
2 h 21 min 43 s
